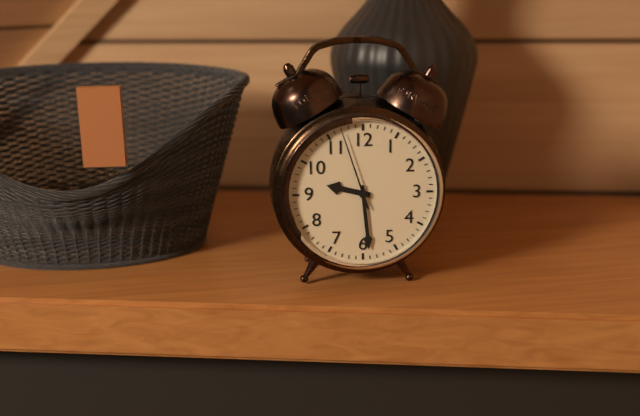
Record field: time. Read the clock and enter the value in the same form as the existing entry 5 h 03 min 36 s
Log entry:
9 h 29 min 57 s
